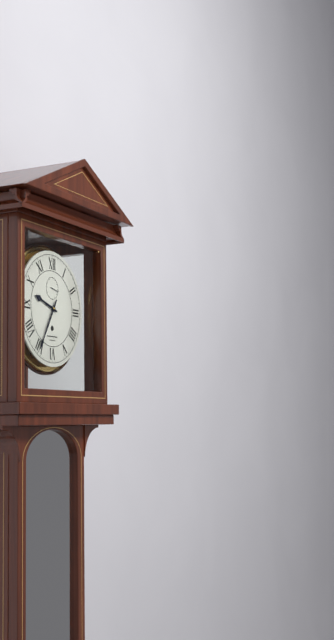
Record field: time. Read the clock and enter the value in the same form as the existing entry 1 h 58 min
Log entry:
9 h 35 min
